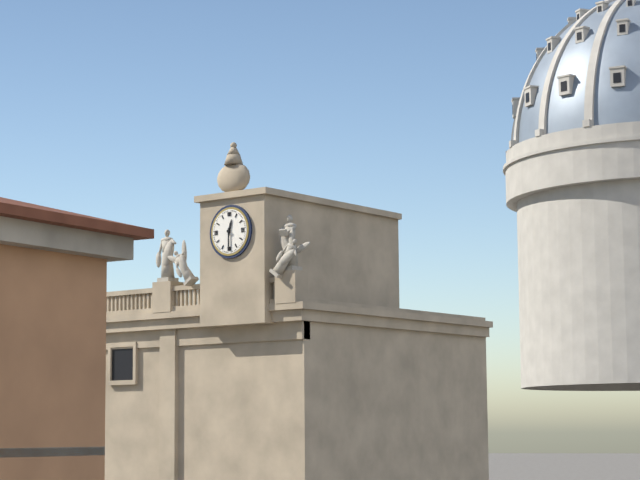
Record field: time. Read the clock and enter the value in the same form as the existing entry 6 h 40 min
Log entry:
12 h 30 min
